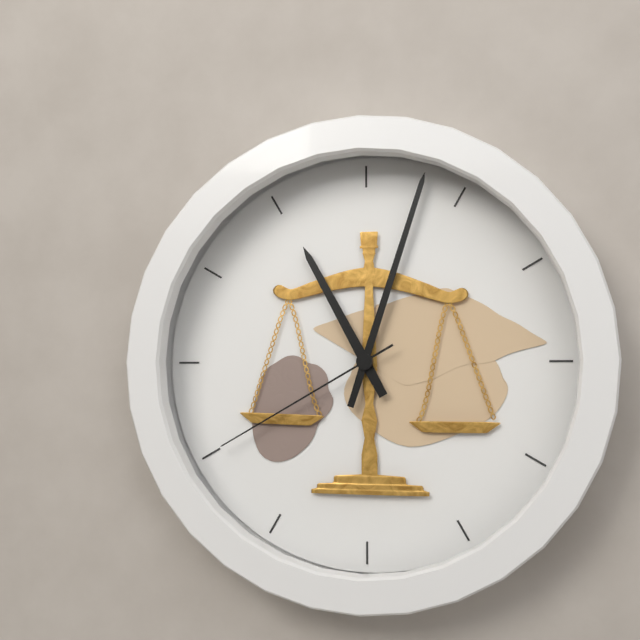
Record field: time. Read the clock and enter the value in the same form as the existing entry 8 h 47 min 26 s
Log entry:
11 h 03 min 40 s
